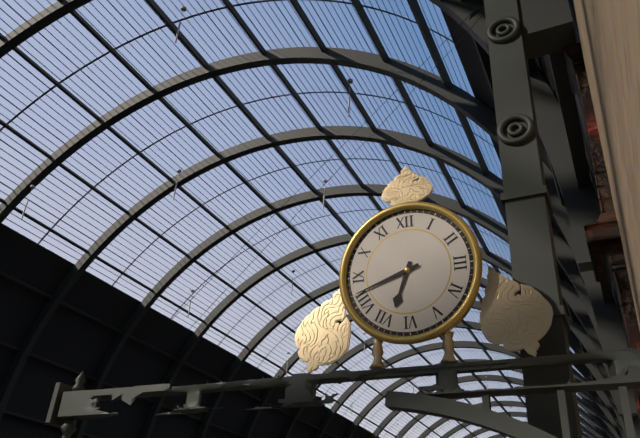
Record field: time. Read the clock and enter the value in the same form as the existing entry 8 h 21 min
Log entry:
6 h 42 min
